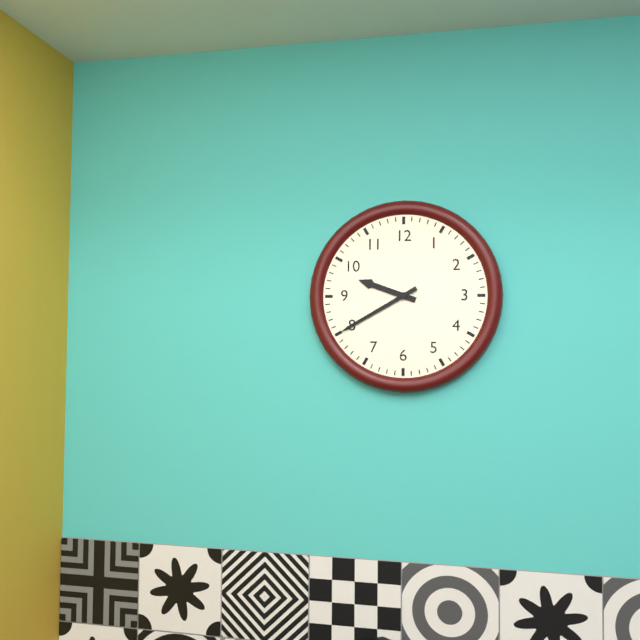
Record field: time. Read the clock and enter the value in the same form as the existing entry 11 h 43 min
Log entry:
9 h 40 min
